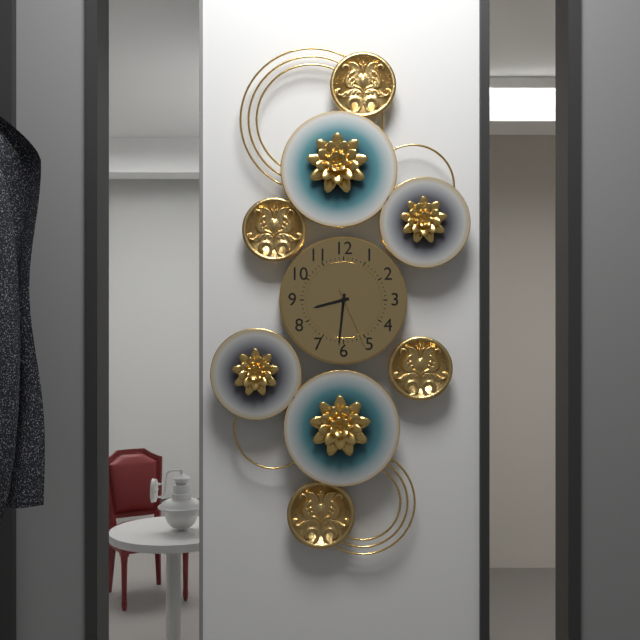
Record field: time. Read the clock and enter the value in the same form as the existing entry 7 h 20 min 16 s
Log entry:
8 h 31 min 26 s
